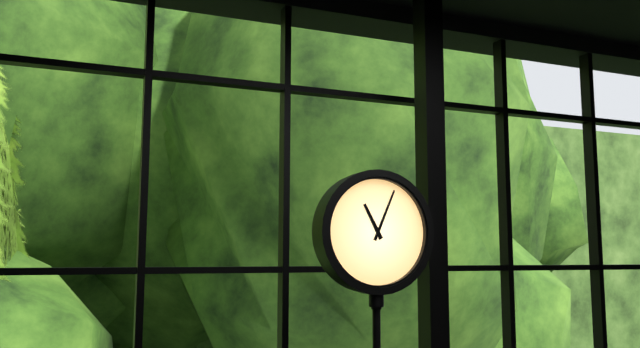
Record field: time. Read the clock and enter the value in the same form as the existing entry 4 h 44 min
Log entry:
11 h 04 min
